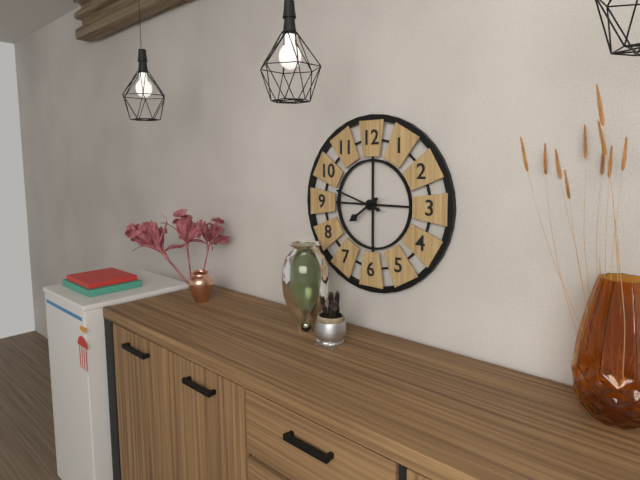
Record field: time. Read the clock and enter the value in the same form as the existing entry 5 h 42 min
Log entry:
7 h 48 min
